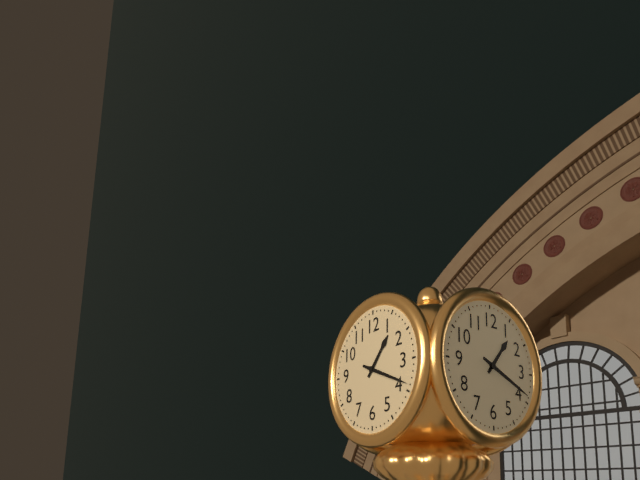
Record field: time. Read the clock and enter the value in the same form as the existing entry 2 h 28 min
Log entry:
1 h 19 min
